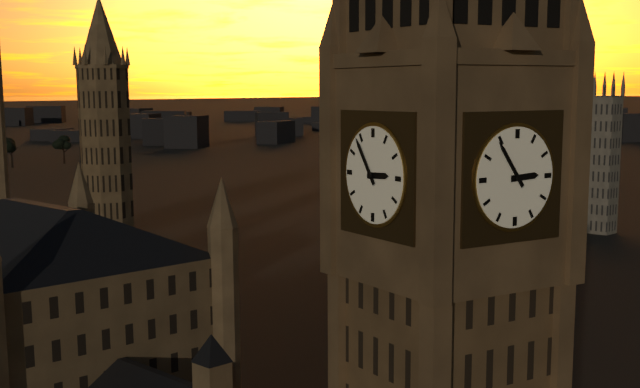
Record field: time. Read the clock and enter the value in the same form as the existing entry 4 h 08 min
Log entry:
2 h 54 min
